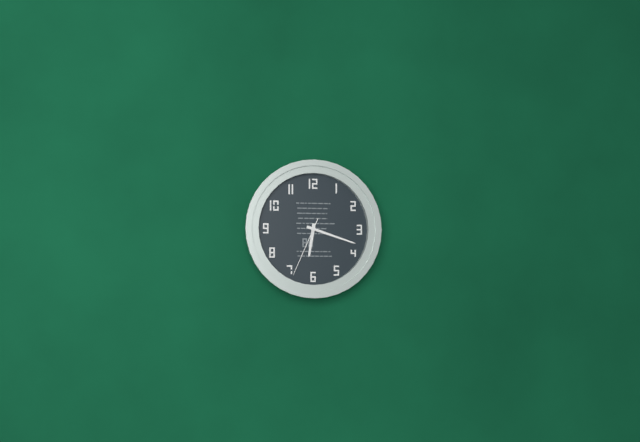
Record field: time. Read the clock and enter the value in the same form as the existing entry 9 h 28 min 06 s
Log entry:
6 h 18 min 34 s
